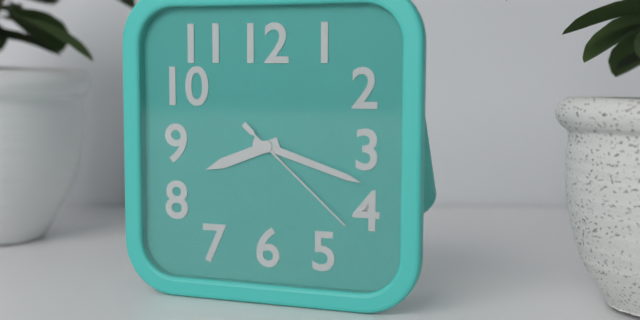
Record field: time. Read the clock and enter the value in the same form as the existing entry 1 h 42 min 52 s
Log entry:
8 h 18 min 22 s
